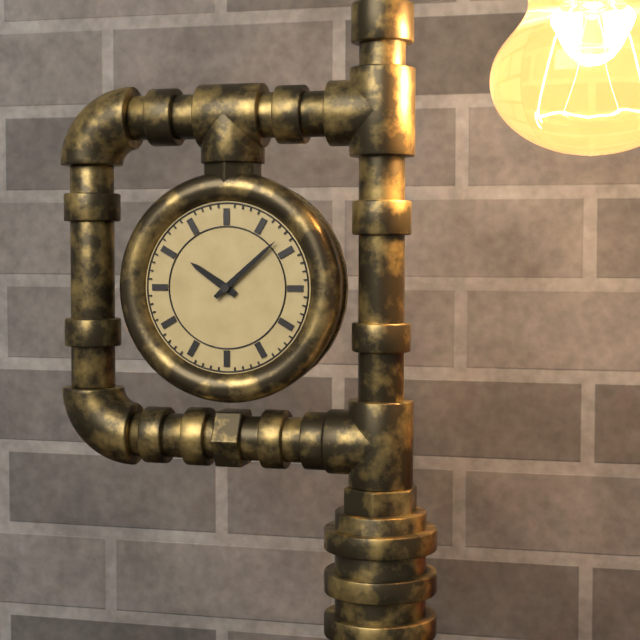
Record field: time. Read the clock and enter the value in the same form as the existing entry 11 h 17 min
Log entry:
10 h 08 min
